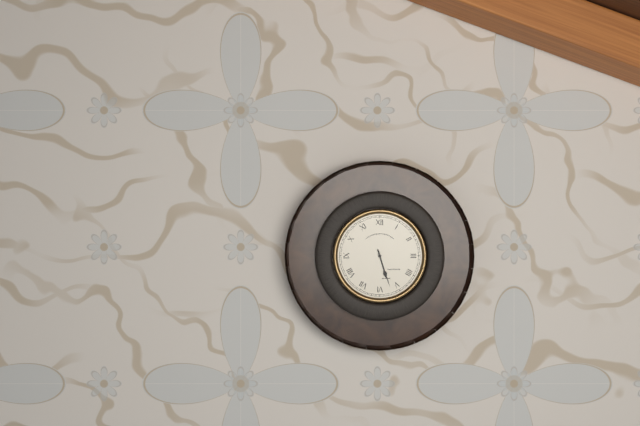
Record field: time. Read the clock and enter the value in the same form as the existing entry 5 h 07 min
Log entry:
5 h 27 min
